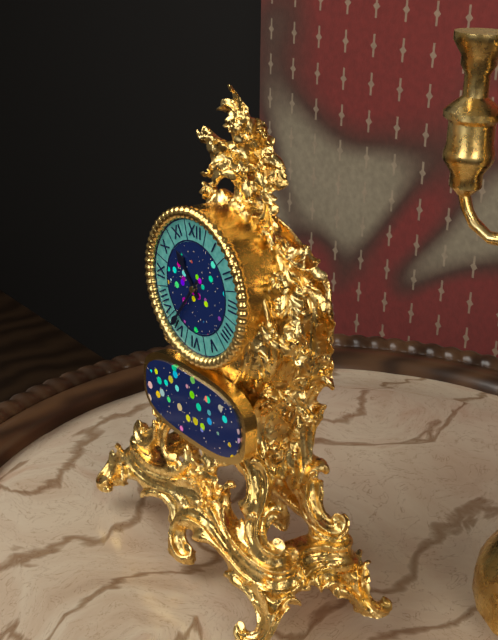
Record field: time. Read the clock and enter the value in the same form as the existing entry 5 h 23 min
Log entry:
10 h 36 min
